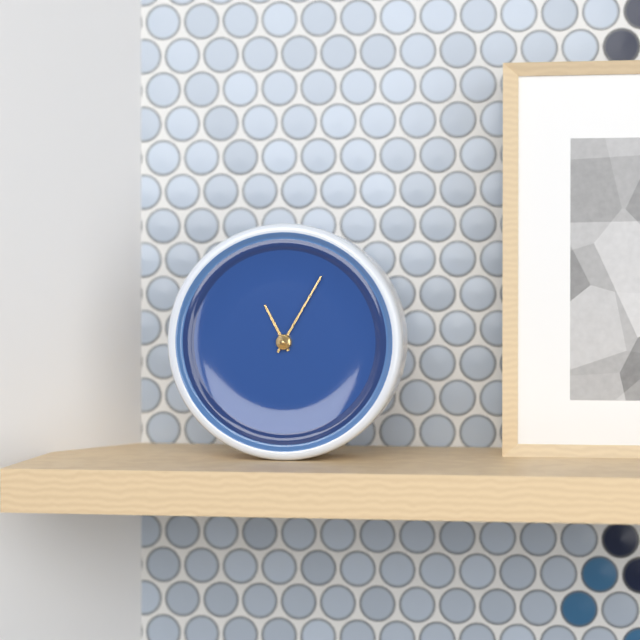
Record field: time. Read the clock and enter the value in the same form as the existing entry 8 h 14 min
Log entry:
11 h 05 min
